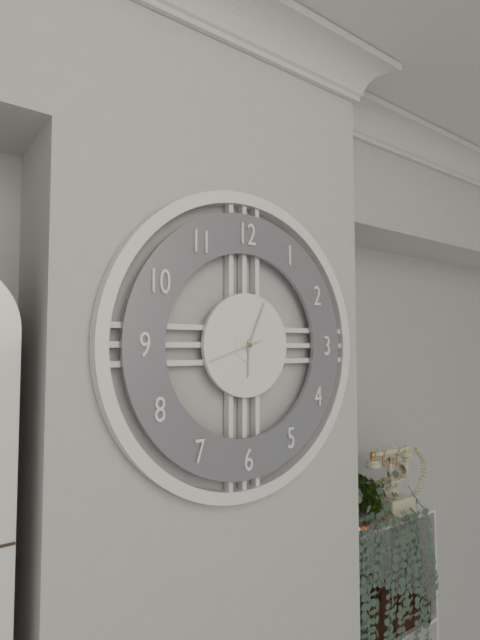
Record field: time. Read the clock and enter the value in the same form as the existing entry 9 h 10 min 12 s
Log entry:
6 h 04 min 42 s
